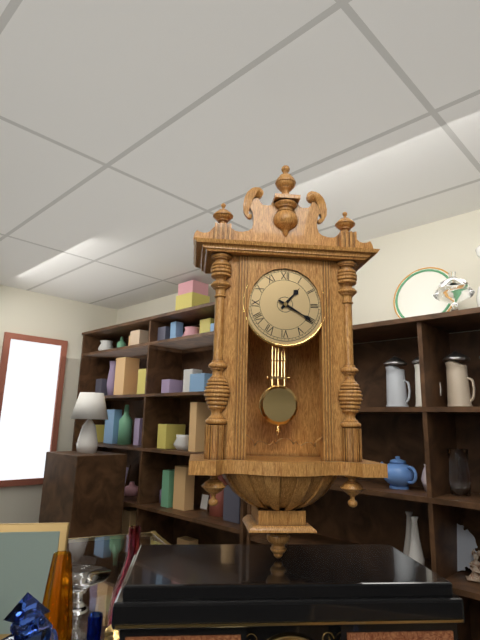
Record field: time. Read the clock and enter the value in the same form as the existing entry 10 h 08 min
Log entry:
1 h 20 min
